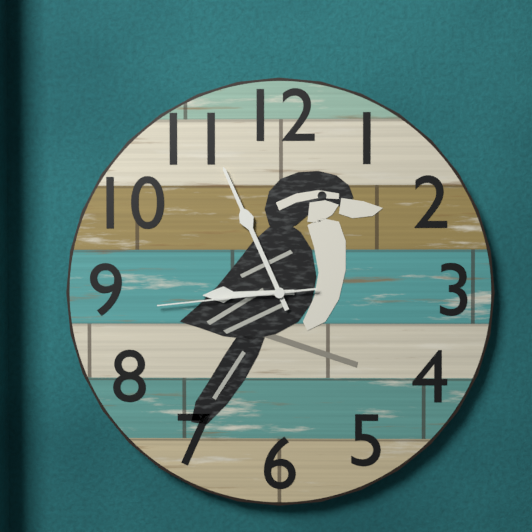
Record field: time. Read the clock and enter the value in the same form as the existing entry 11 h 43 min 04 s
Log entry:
8 h 56 min 44 s
